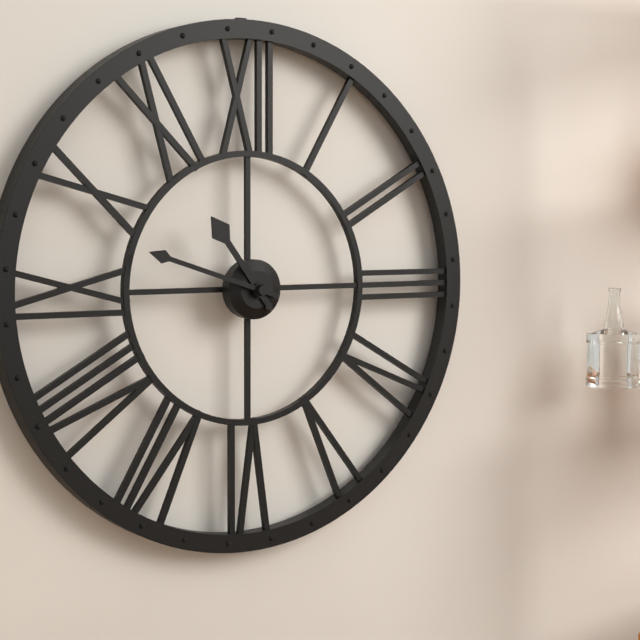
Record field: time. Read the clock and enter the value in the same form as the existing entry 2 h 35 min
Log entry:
10 h 48 min
